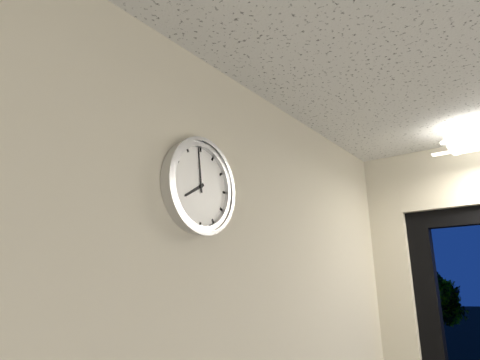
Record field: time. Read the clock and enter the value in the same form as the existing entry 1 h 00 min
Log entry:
7 h 59 min
